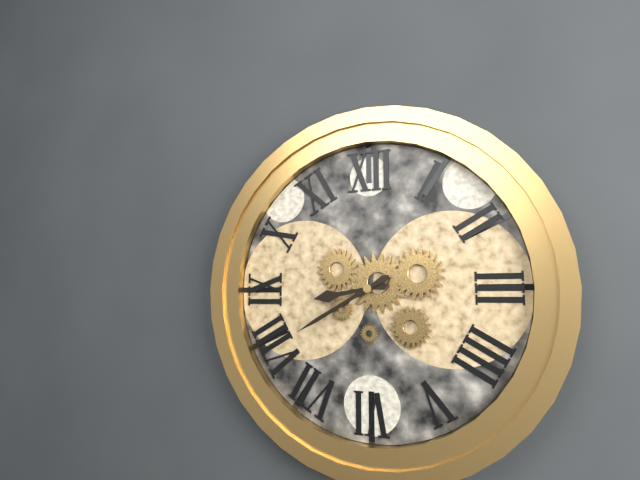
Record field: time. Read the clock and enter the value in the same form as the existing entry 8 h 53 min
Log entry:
8 h 40 min
